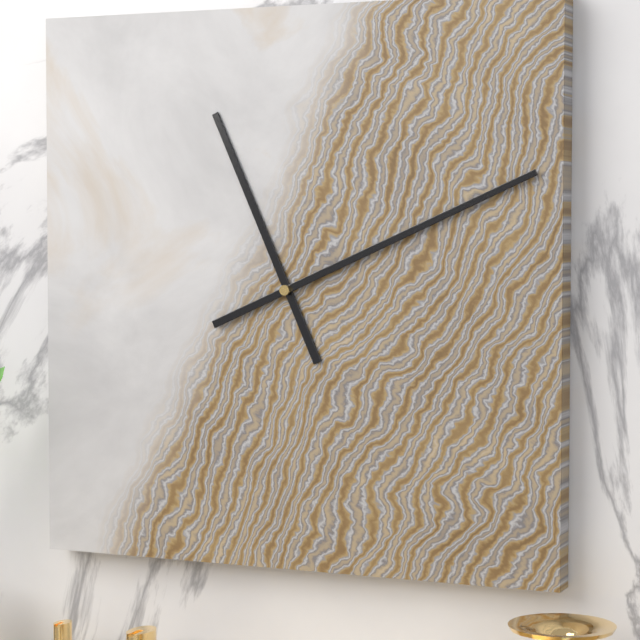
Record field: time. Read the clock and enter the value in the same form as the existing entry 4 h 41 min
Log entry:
11 h 11 min
